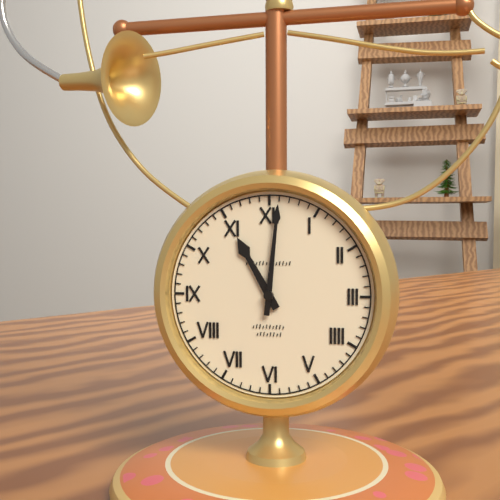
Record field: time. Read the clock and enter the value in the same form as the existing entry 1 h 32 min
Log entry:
11 h 01 min
